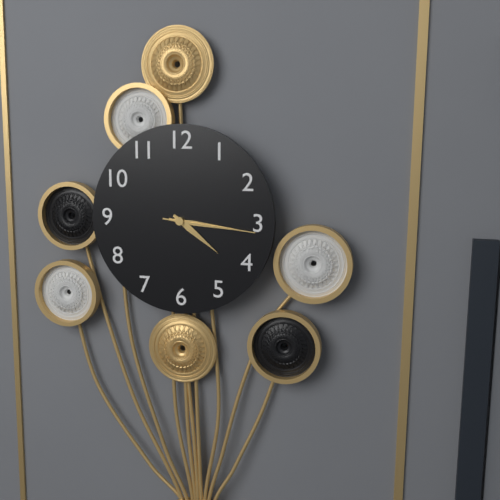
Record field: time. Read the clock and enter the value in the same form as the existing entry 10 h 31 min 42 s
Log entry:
4 h 16 min 16 s
